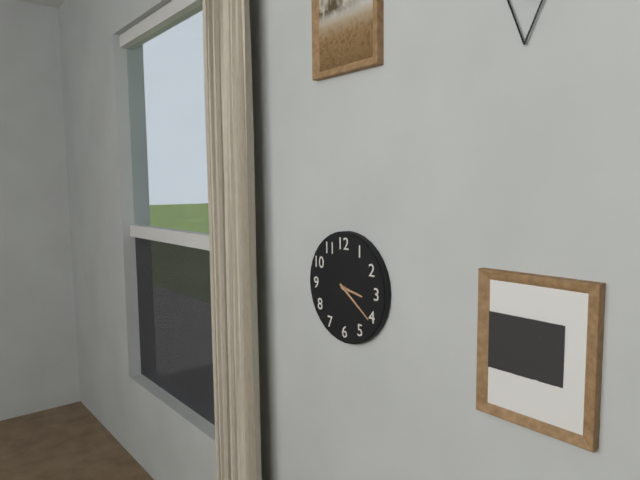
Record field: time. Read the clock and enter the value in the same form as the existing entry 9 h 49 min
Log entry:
3 h 21 min
